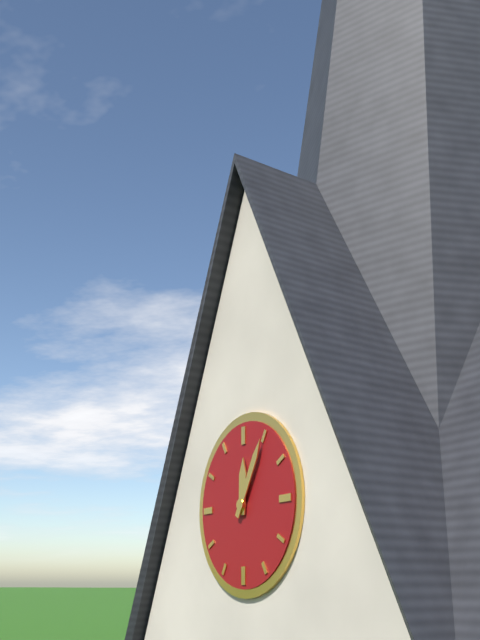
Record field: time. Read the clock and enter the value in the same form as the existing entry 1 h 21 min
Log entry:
12 h 05 min
